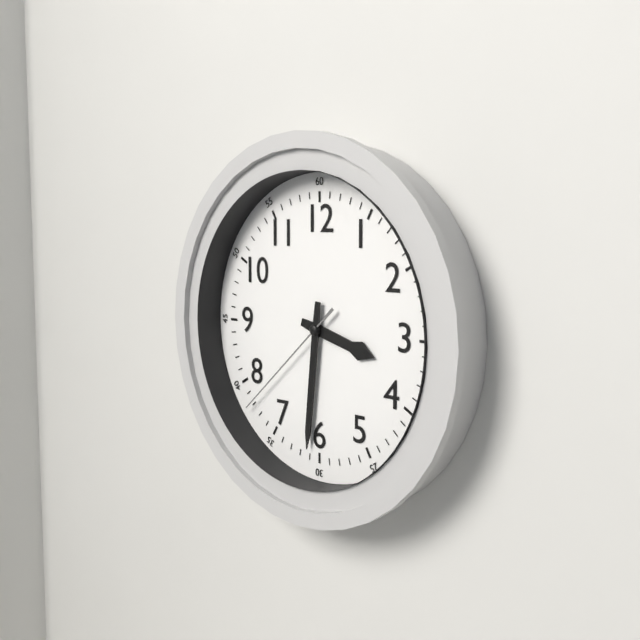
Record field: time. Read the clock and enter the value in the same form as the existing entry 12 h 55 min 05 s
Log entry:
3 h 31 min 38 s
